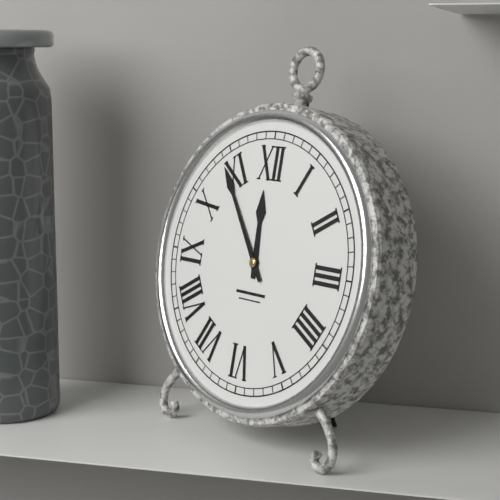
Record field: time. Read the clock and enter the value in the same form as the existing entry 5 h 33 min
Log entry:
11 h 54 min
